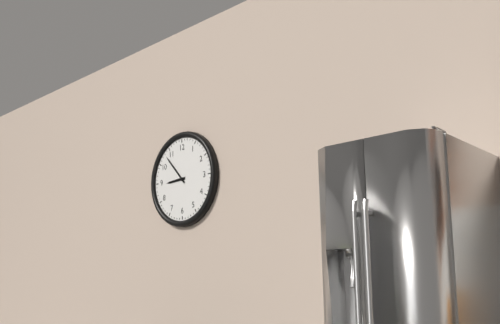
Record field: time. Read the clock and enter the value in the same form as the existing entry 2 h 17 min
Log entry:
8 h 53 min
